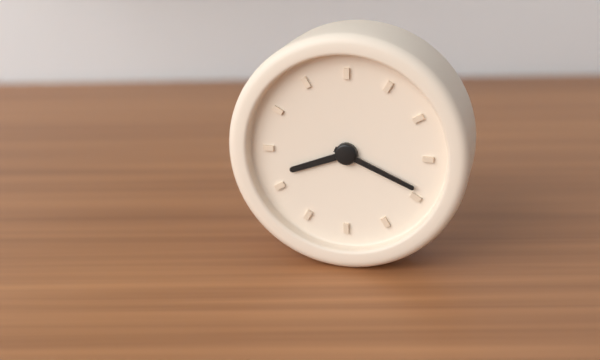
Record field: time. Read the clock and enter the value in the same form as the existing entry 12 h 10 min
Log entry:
8 h 19 min
